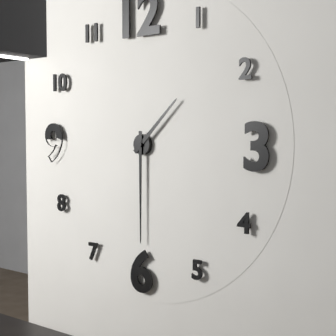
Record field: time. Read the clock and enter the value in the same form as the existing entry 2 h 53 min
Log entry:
1 h 30 min
